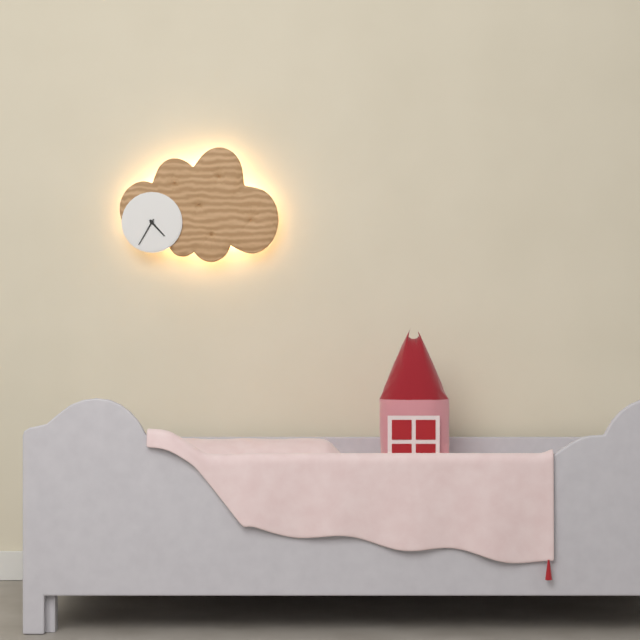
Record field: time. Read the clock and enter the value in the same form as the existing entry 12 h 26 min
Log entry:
4 h 35 min
